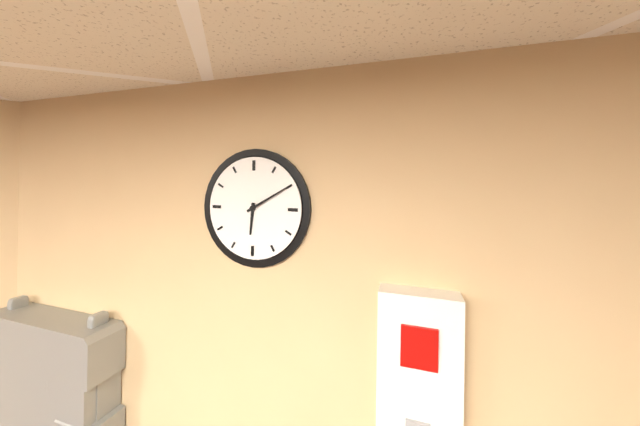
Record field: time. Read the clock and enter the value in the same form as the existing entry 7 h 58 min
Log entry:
6 h 10 min
